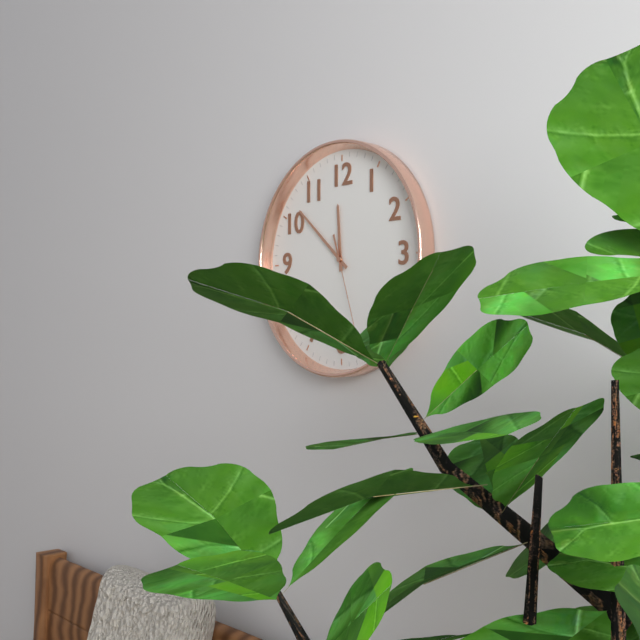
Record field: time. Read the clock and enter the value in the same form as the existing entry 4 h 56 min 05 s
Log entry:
11 h 52 min 27 s
